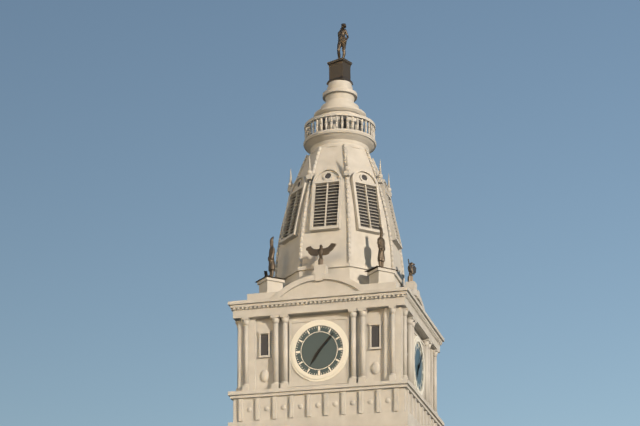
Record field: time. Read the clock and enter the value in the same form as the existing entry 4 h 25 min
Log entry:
7 h 07 min
